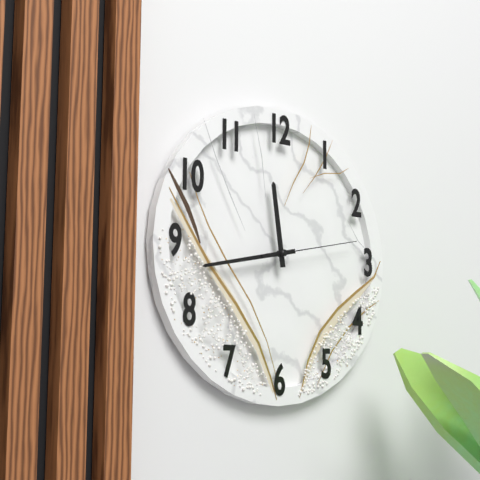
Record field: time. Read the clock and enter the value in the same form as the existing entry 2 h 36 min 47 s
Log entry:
11 h 43 min 13 s
